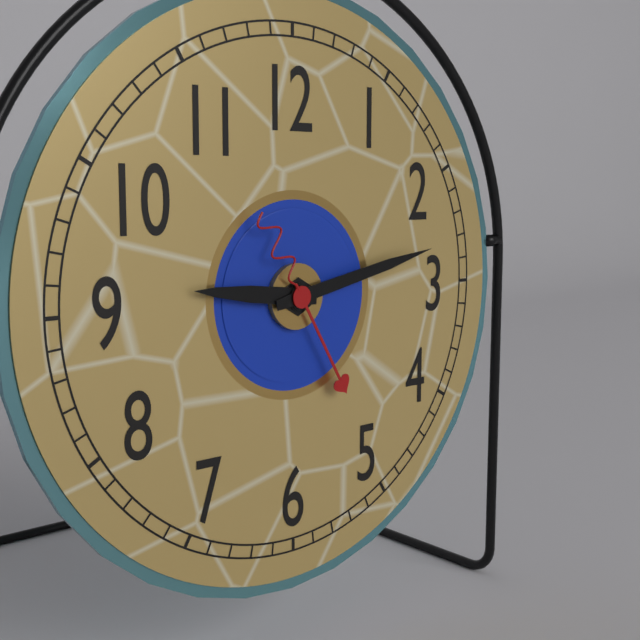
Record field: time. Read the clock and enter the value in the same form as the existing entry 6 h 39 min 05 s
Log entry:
9 h 13 min 25 s
